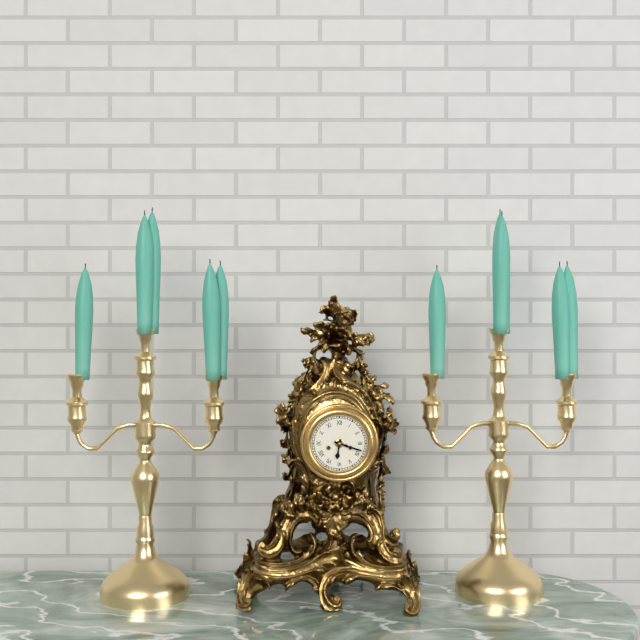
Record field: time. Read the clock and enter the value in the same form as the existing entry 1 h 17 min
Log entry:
6 h 18 min
